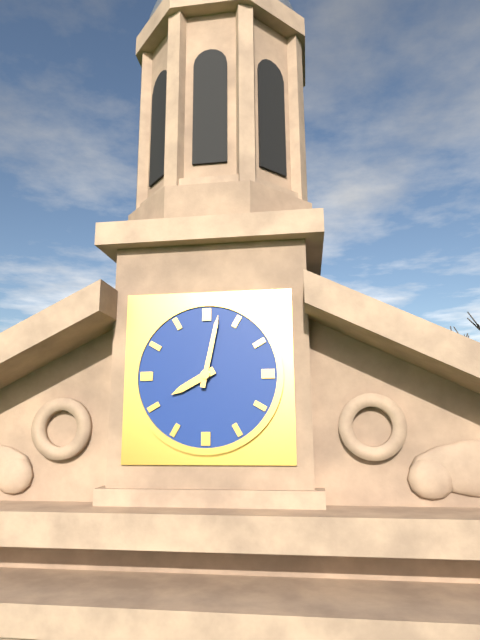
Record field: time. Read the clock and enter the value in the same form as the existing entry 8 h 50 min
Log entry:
8 h 02 min
